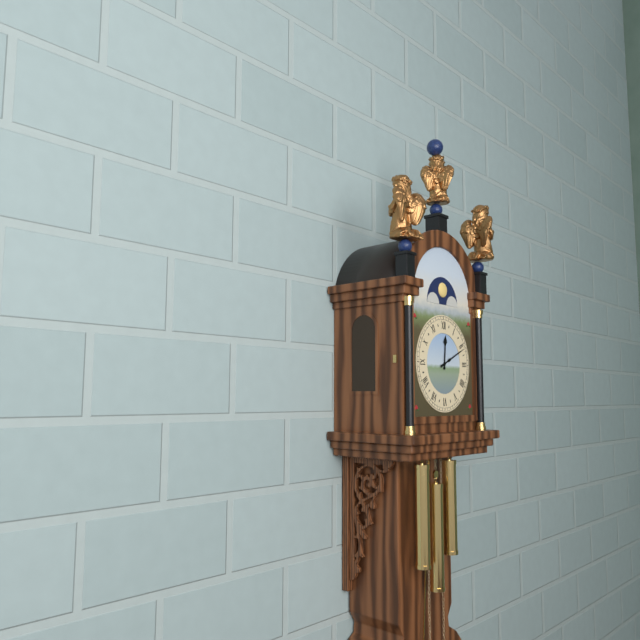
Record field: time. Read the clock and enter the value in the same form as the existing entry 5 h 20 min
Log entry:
12 h 11 min
